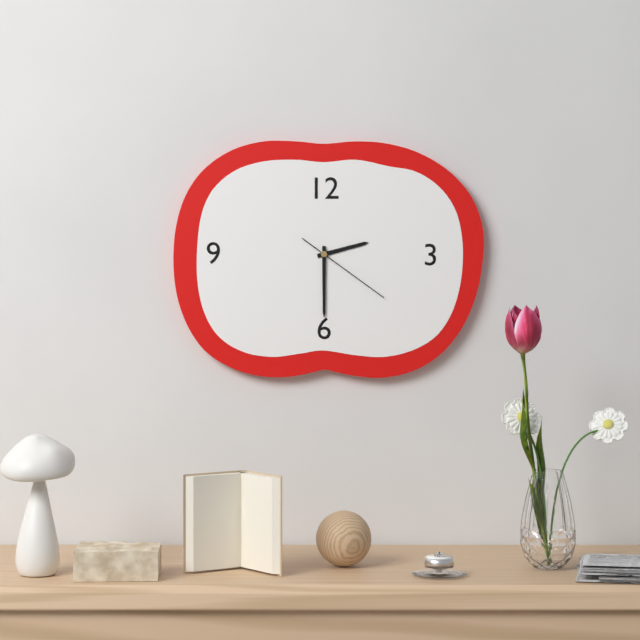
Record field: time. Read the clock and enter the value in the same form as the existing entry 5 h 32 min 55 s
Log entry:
2 h 30 min 21 s
